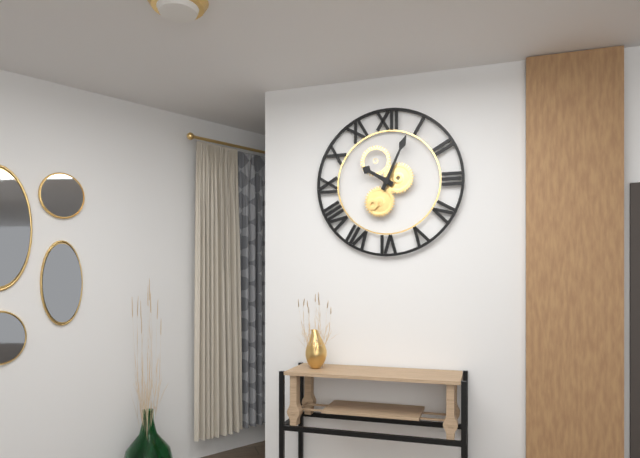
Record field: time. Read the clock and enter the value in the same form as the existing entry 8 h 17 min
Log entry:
10 h 04 min
